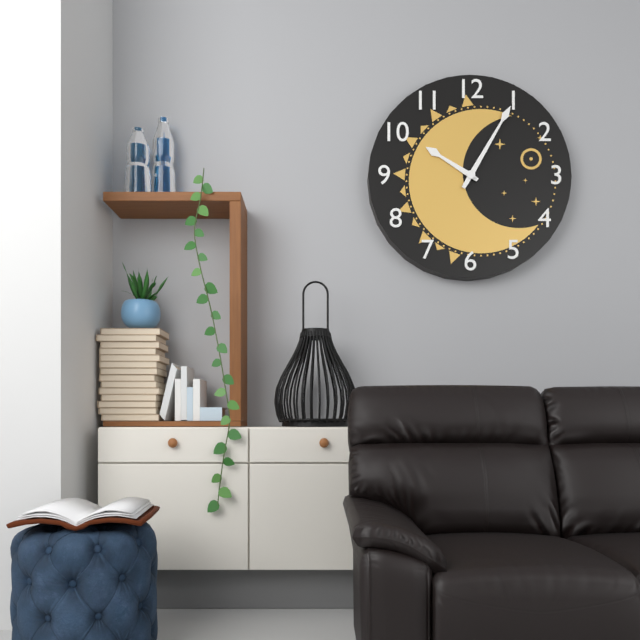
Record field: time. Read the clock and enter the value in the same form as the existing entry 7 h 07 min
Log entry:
10 h 05 min
